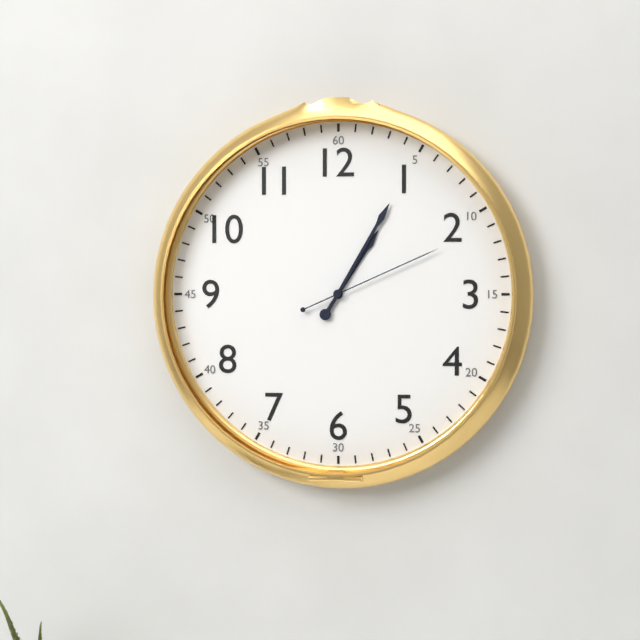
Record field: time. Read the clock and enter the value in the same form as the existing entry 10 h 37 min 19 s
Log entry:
1 h 05 min 11 s
